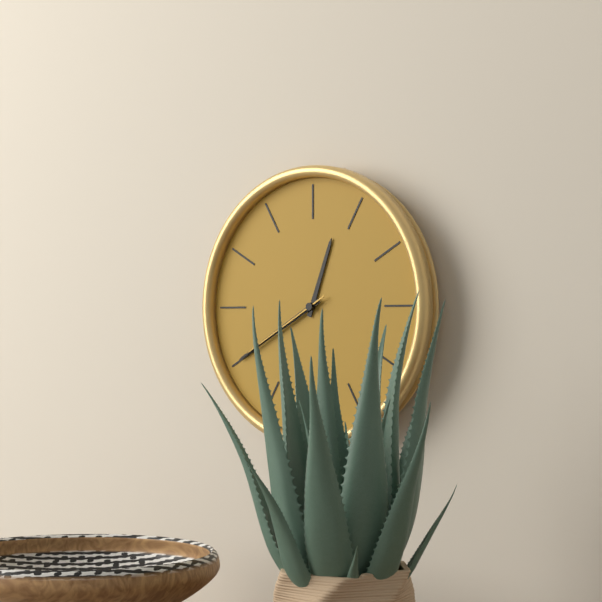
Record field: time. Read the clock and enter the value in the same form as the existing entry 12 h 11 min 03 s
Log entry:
12 h 40 min 40 s
